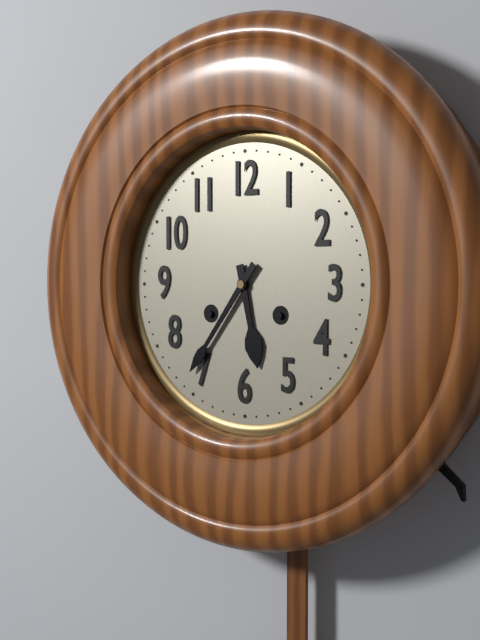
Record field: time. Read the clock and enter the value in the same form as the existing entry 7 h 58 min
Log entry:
5 h 36 min
